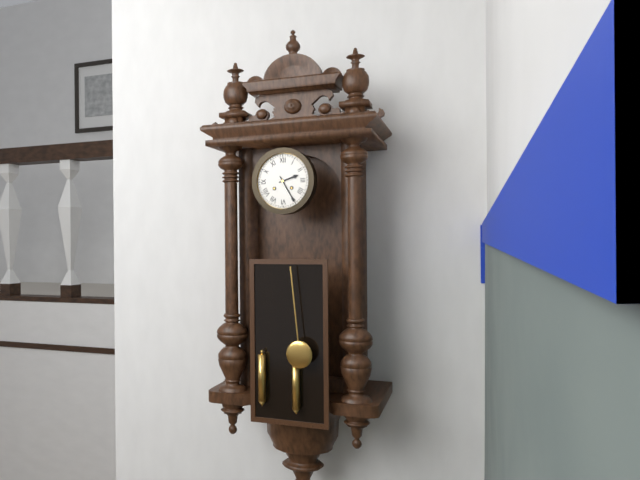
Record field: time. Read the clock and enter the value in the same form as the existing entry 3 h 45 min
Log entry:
2 h 25 min
